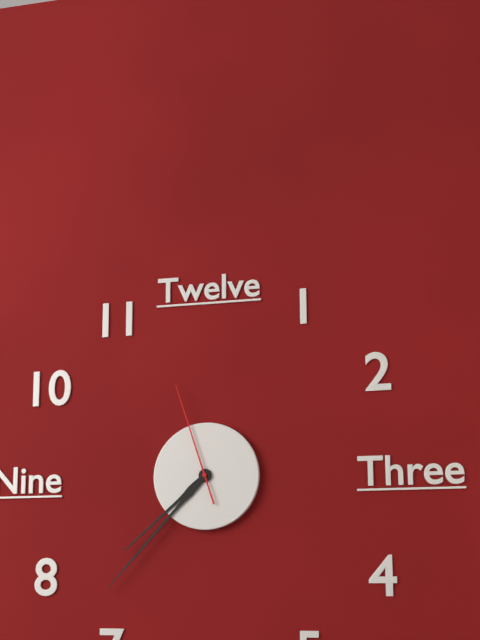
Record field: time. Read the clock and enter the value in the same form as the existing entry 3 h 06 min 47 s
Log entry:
7 h 37 min 57 s
